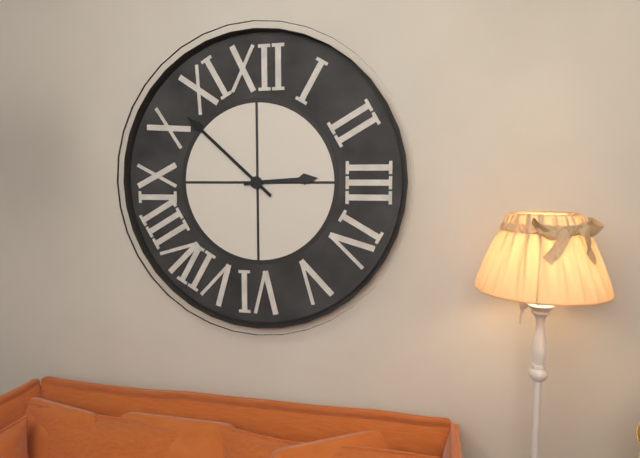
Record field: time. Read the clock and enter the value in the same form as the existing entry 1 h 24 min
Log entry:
2 h 52 min
